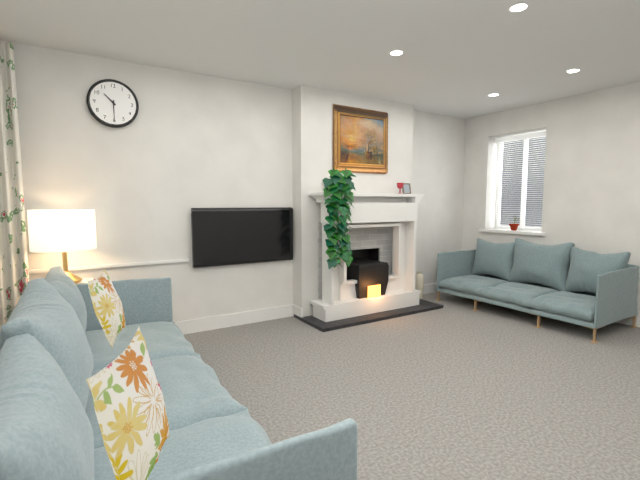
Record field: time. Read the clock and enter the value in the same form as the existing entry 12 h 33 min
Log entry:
10 h 30 min
